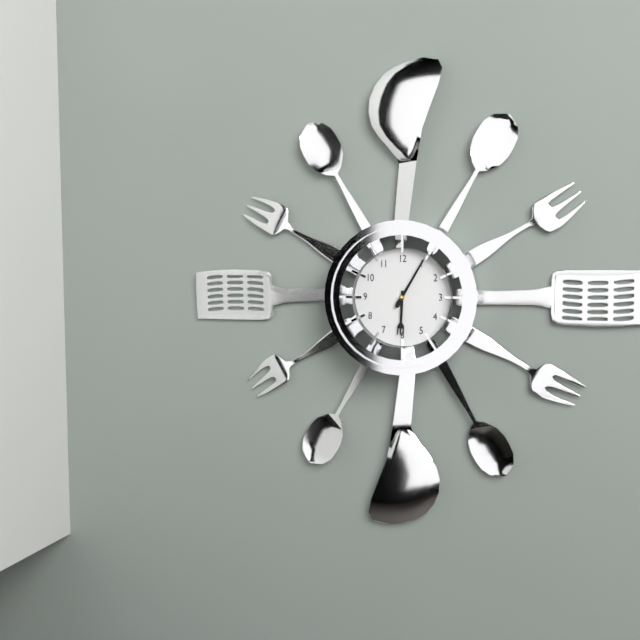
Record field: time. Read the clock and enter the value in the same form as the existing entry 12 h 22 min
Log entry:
6 h 05 min
